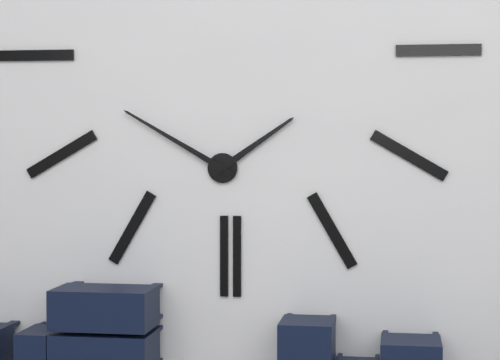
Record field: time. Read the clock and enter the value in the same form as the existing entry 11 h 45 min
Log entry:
1 h 50 min
